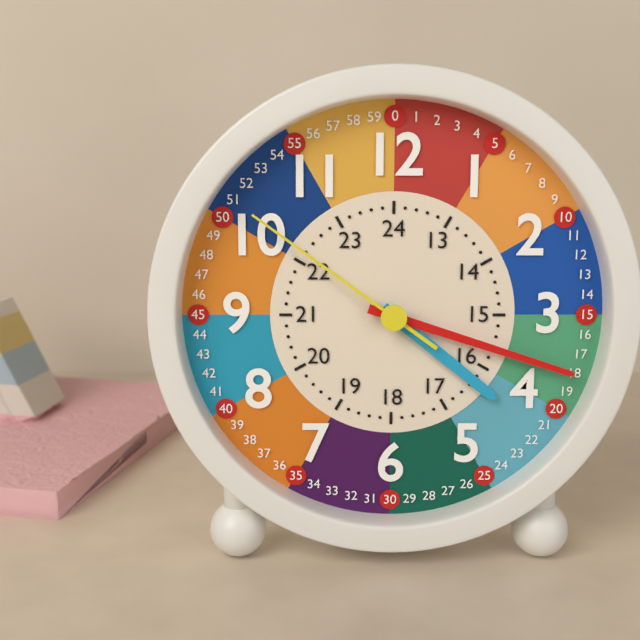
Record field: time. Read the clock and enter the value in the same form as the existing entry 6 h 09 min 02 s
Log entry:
4 h 18 min 51 s
